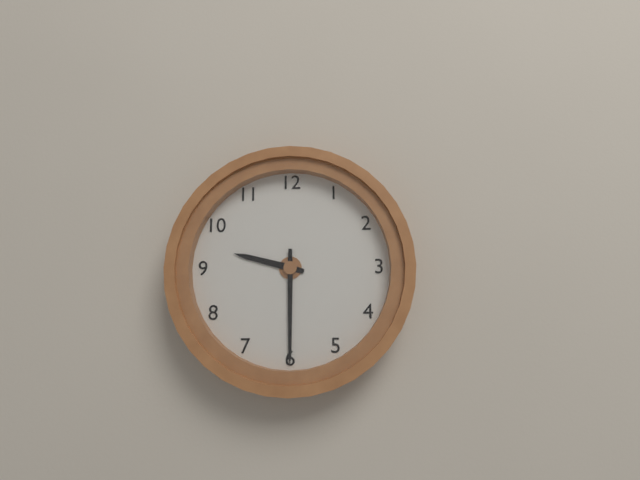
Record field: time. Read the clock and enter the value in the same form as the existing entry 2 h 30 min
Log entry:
9 h 30 min
